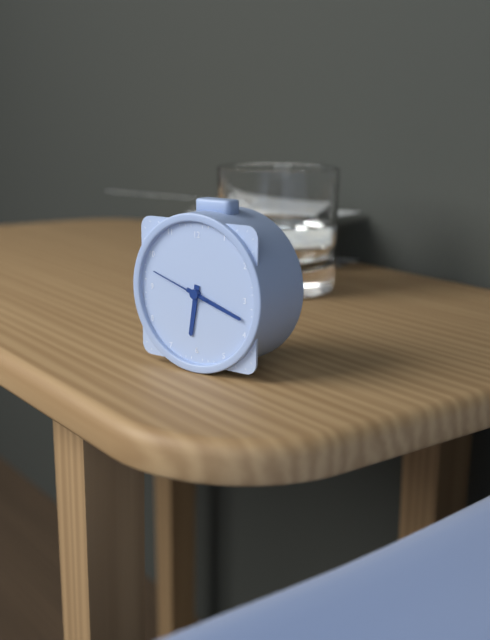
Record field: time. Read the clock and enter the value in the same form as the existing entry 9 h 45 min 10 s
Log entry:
6 h 18 min 48 s
